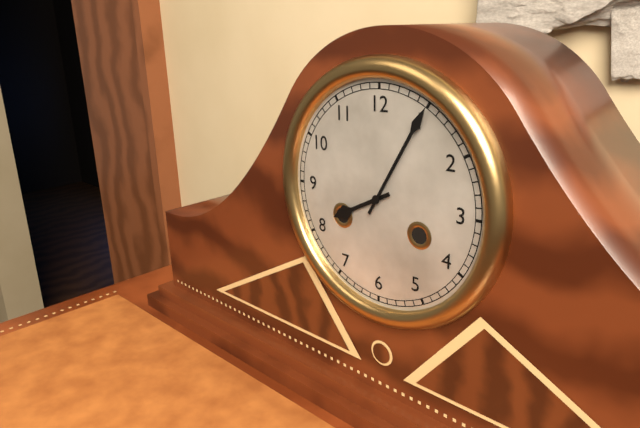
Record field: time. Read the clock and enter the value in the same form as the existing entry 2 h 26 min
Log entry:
8 h 05 min
